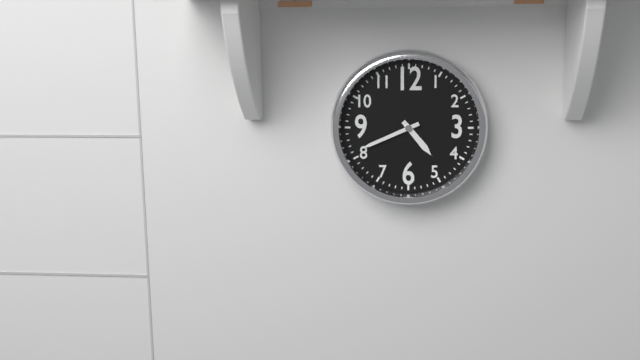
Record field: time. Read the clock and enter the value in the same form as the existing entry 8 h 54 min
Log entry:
4 h 41 min
